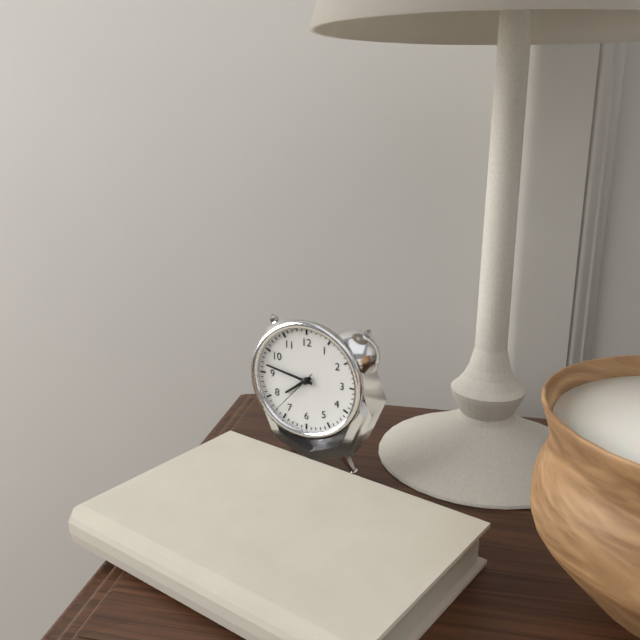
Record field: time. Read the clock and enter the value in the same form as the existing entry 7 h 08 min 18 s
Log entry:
7 h 47 min 37 s
